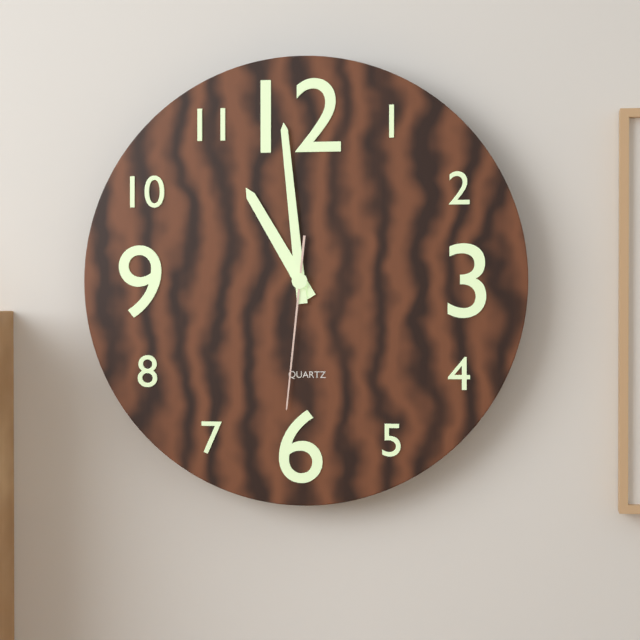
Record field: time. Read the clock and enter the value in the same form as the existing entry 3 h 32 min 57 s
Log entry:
10 h 59 min 31 s
